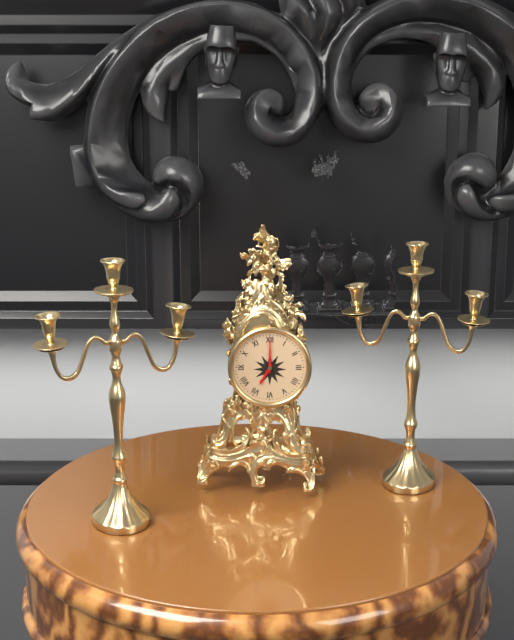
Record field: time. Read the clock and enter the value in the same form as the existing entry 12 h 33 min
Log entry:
7 h 00 min
